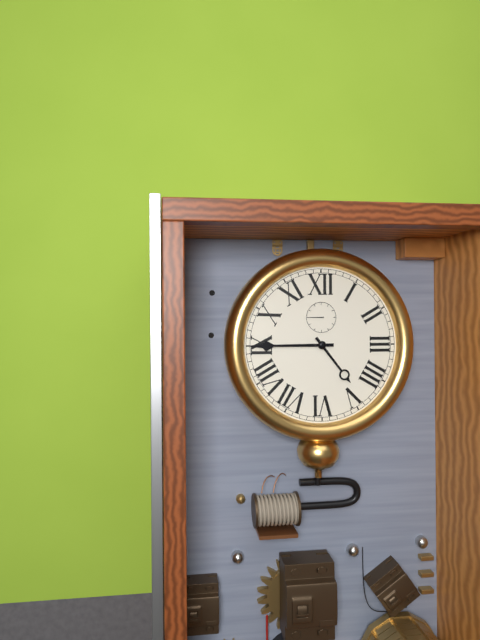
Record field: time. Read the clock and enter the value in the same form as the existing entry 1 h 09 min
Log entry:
4 h 45 min
